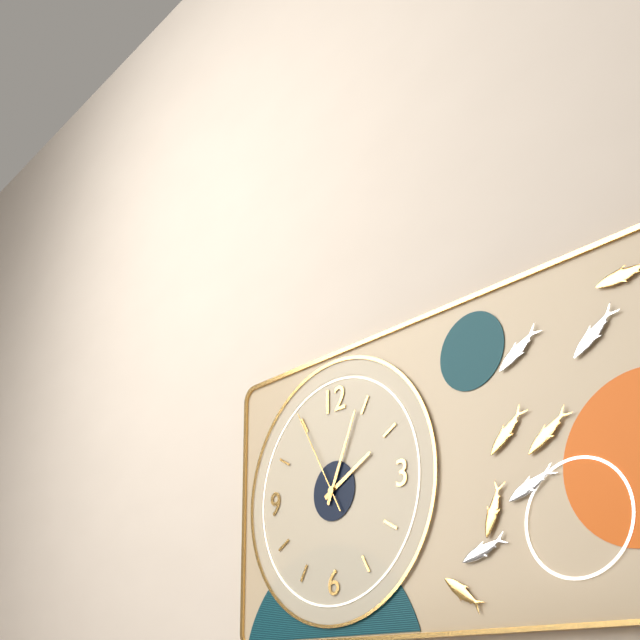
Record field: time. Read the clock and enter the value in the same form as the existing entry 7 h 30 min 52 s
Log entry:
2 h 04 min 55 s
